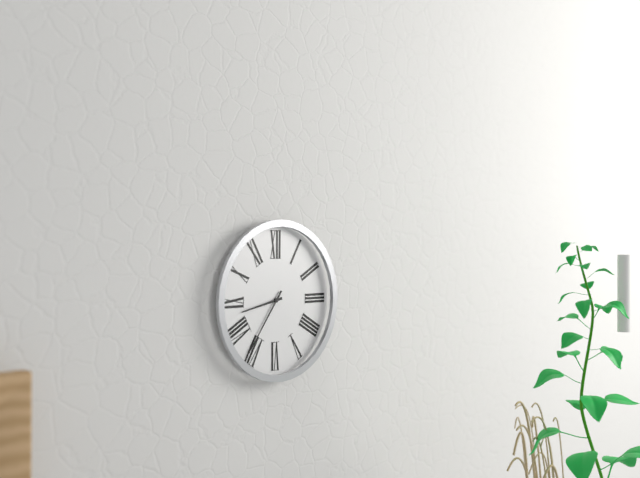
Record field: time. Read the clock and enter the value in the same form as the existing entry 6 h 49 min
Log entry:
8 h 36 min
